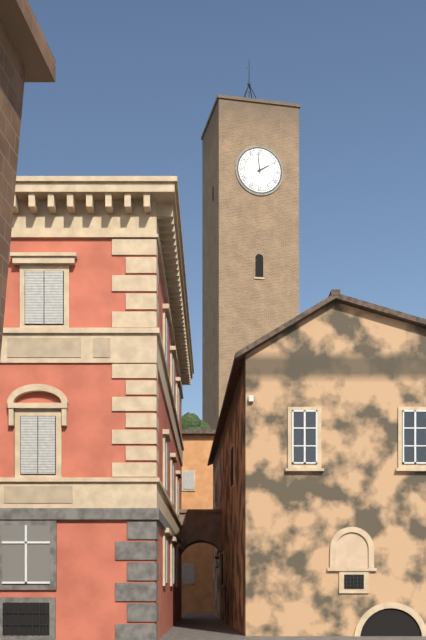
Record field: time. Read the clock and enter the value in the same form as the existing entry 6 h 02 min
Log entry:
1 h 59 min
